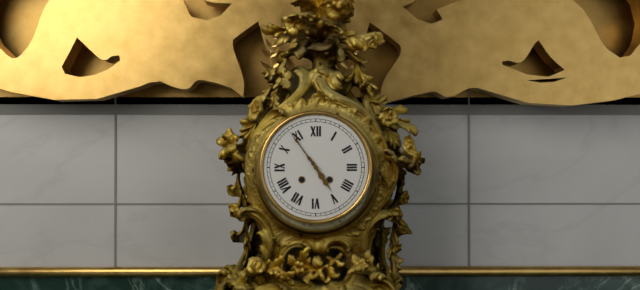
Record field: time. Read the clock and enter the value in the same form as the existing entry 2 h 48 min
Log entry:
4 h 54 min
